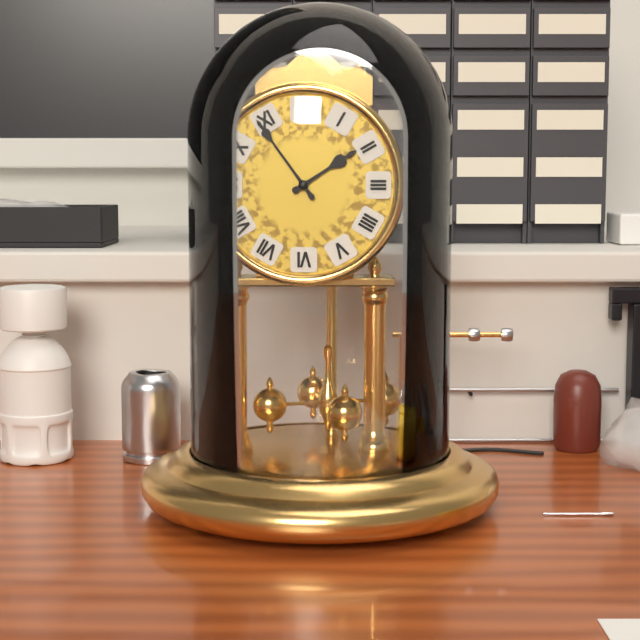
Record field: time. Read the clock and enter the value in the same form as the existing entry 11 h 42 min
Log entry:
1 h 54 min
